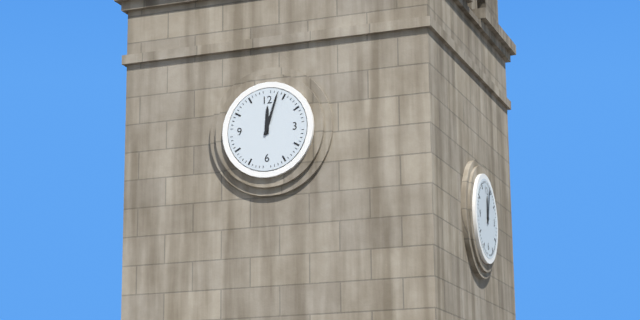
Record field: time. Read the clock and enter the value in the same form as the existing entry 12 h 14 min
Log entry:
12 h 03 min
